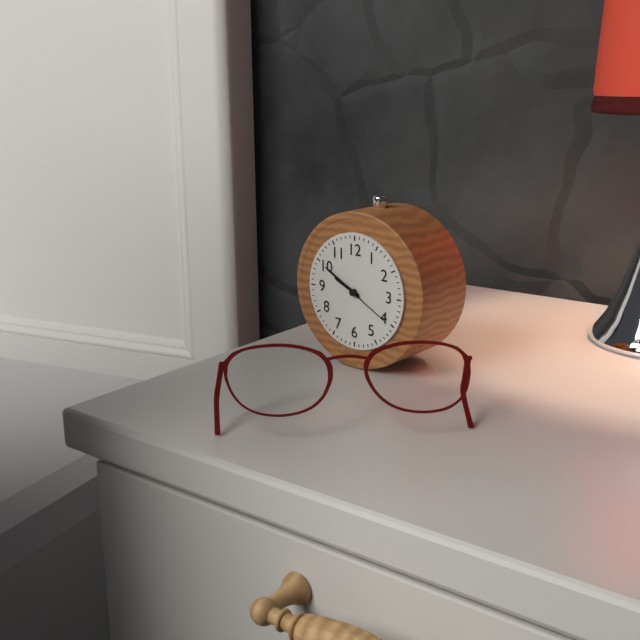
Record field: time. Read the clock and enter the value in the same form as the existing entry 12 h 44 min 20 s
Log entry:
9 h 50 min 20 s
